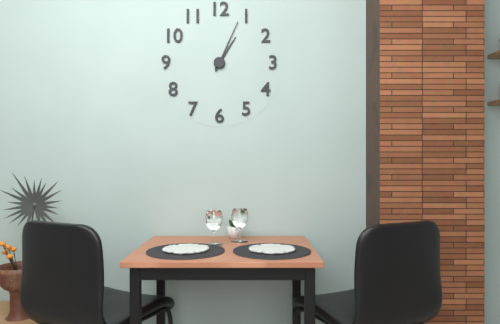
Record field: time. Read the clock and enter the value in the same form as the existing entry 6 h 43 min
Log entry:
1 h 04 min
